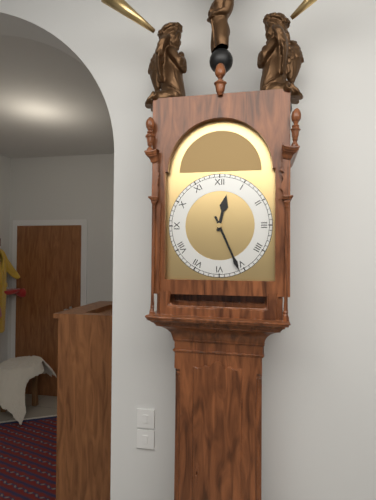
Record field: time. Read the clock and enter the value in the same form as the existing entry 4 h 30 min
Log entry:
12 h 26 min
